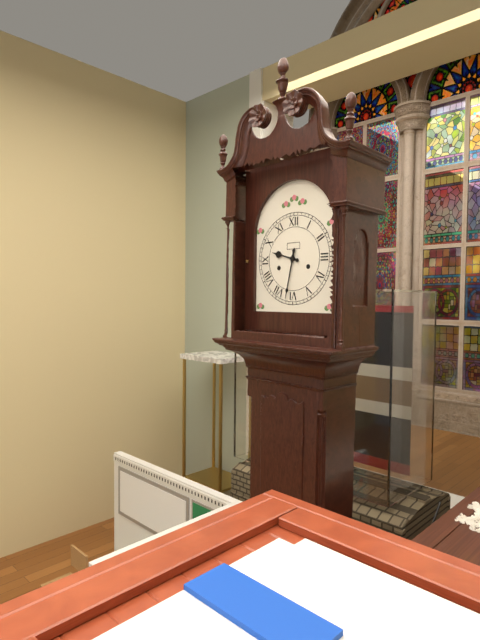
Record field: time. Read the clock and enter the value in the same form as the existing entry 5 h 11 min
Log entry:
9 h 32 min
